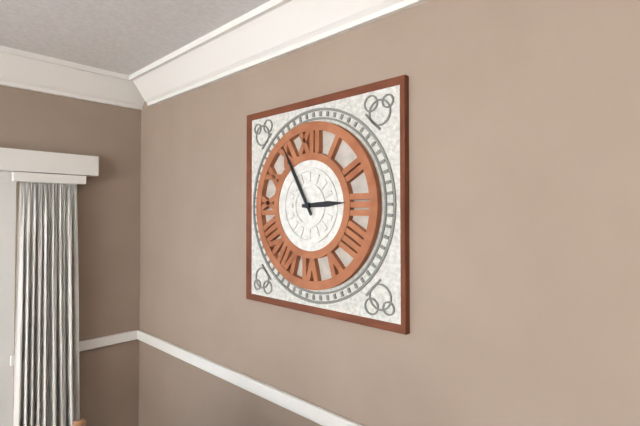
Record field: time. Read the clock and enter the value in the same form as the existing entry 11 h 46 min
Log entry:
2 h 55 min
